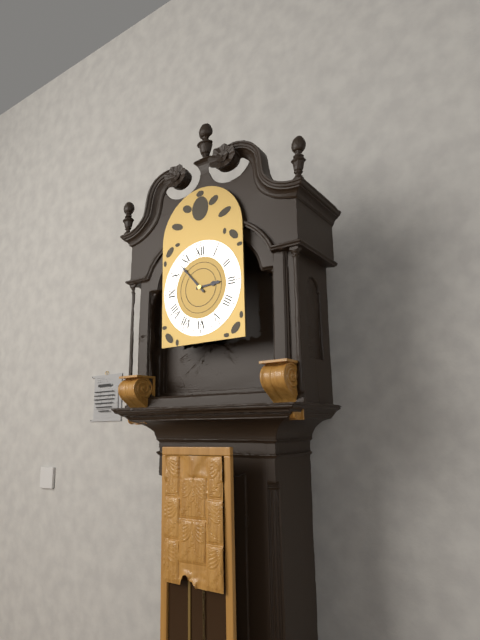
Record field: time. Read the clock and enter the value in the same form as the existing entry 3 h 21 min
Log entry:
2 h 53 min
